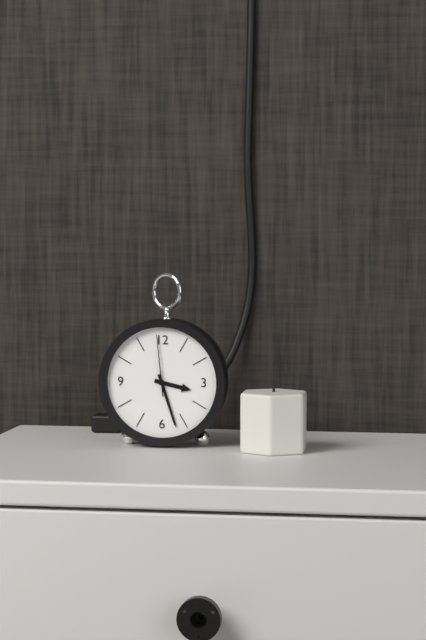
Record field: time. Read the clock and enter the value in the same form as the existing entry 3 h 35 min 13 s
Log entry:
3 h 27 min 59 s
